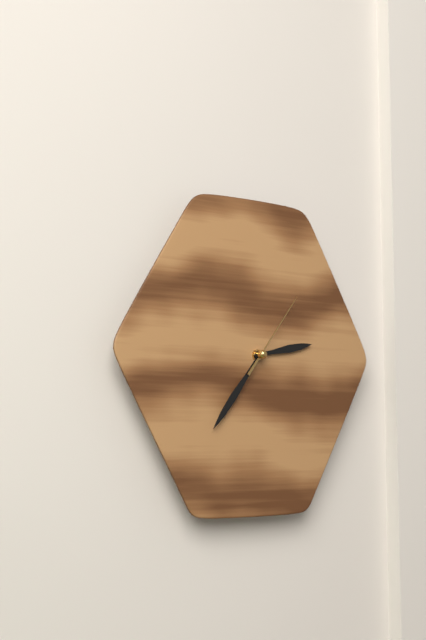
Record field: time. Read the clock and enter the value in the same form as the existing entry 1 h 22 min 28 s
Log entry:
2 h 36 min 06 s
